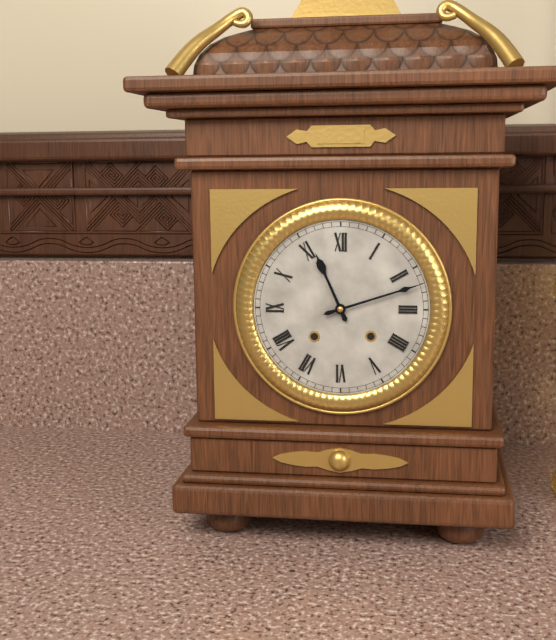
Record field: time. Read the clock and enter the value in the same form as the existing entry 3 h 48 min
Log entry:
11 h 12 min
